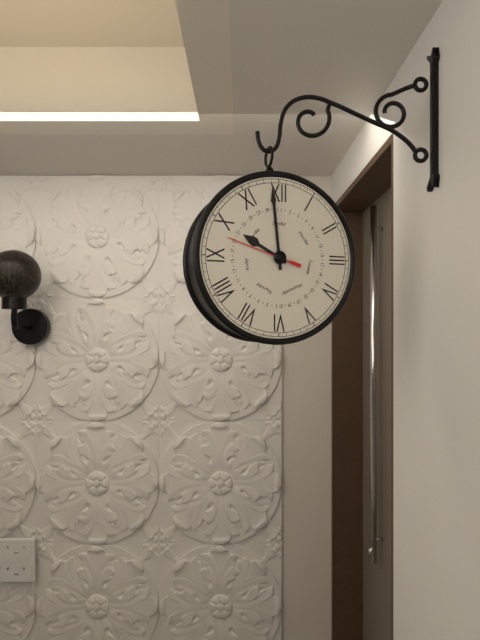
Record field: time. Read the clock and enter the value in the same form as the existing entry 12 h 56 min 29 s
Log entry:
9 h 59 min 48 s
